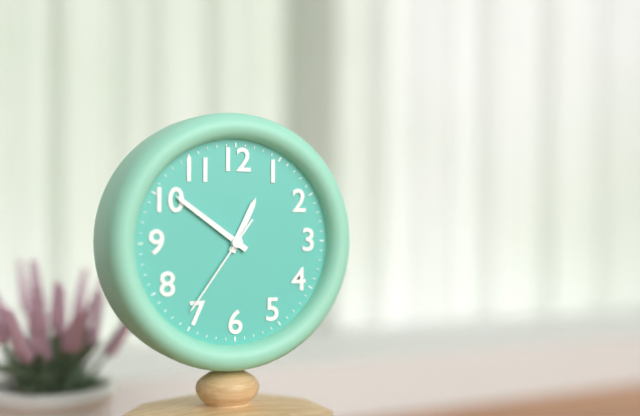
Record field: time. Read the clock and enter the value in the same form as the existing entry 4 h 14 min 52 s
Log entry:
12 h 51 min 36 s
